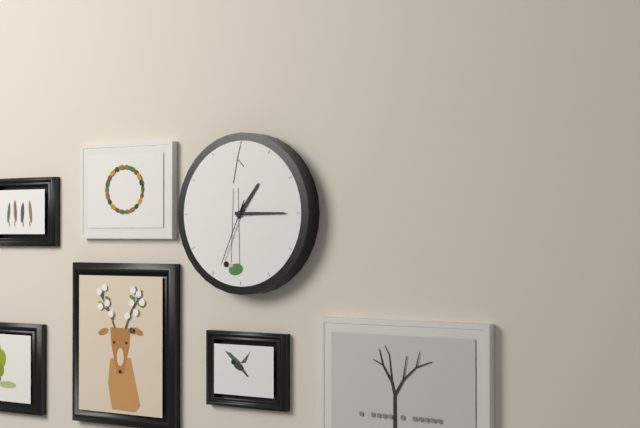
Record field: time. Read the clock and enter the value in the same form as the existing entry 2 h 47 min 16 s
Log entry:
1 h 15 min 34 s
